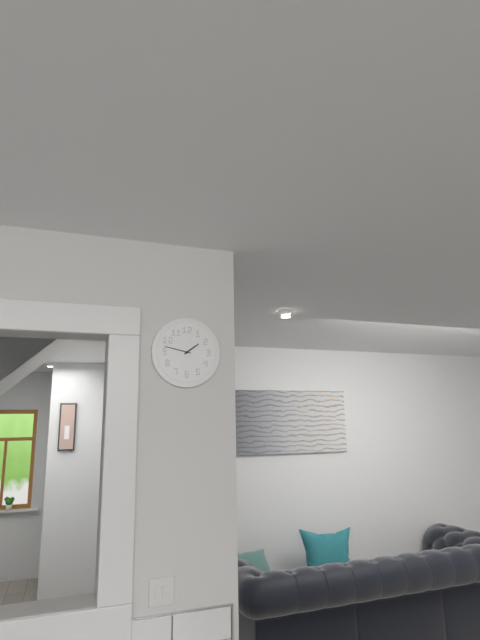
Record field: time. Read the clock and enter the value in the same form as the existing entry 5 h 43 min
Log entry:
1 h 47 min
